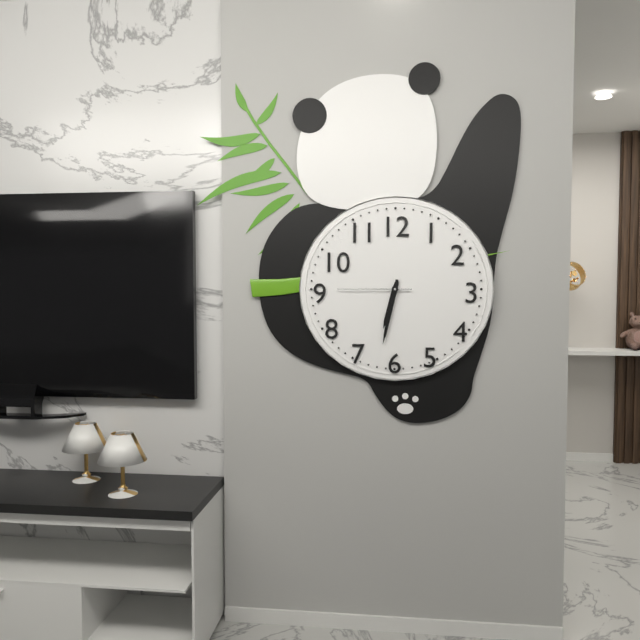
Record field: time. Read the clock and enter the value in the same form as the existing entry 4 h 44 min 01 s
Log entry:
6 h 32 min 45 s
